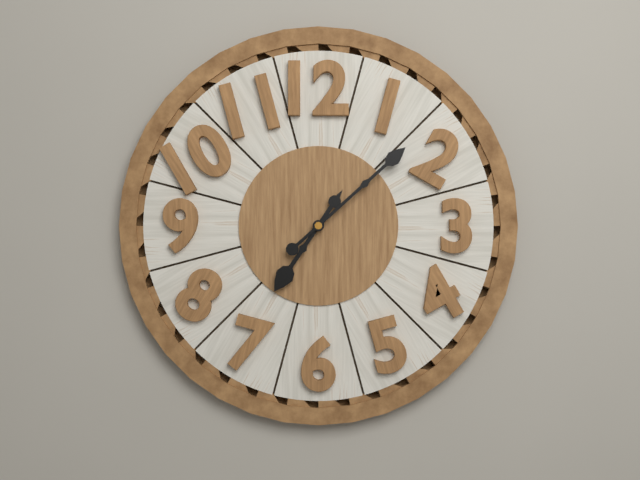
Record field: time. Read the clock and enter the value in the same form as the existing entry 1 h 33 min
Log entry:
7 h 08 min
